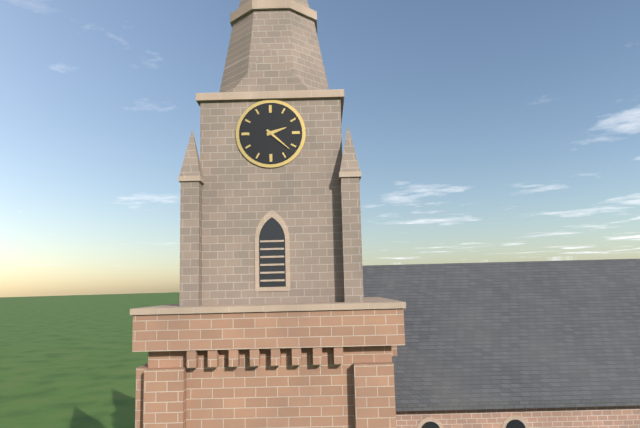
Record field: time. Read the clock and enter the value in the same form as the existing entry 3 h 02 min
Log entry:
2 h 22 min
